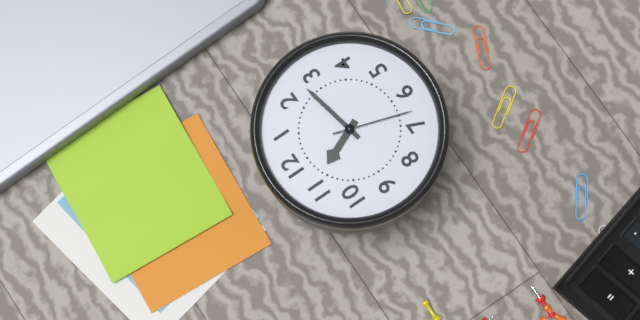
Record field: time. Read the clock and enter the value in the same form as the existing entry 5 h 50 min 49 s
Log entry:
11 h 13 min 33 s
